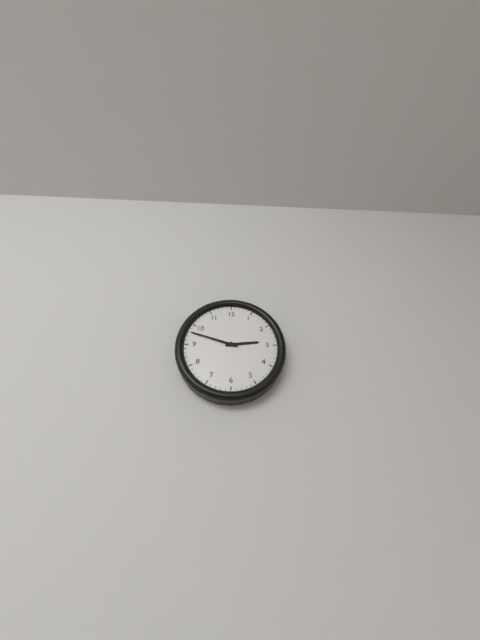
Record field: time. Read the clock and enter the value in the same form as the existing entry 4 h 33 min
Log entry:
2 h 48 min
